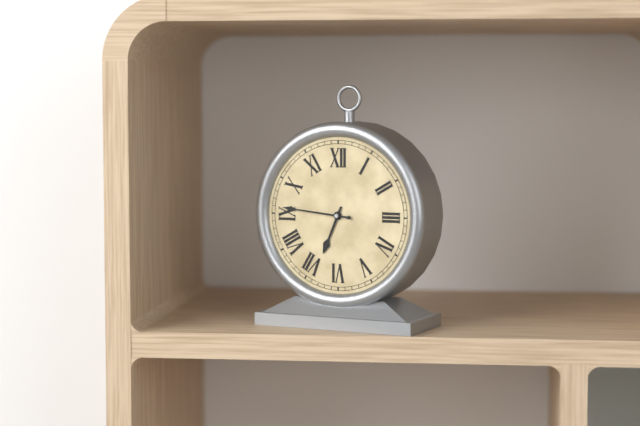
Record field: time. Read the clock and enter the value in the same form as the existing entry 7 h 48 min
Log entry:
6 h 46 min
